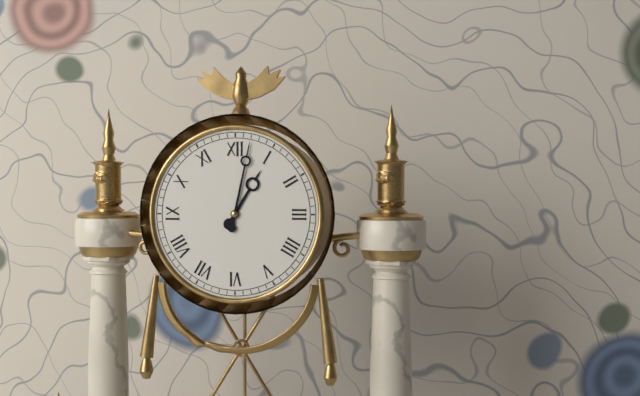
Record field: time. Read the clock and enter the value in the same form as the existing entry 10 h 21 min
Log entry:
1 h 02 min
